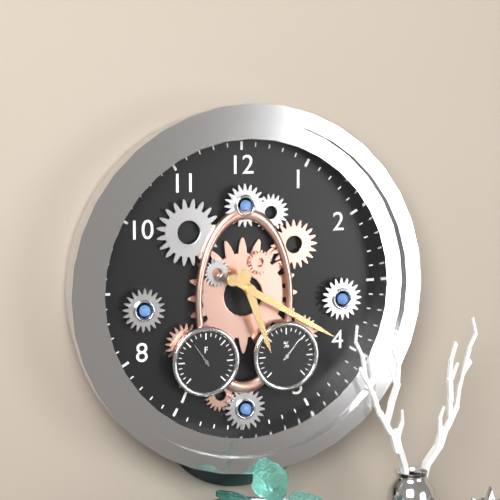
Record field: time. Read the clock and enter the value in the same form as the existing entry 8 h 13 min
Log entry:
5 h 20 min
